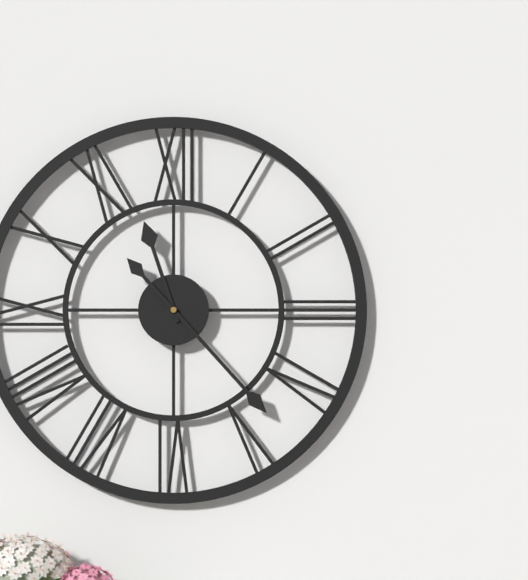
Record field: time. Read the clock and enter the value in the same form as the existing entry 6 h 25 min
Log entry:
11 h 23 min
